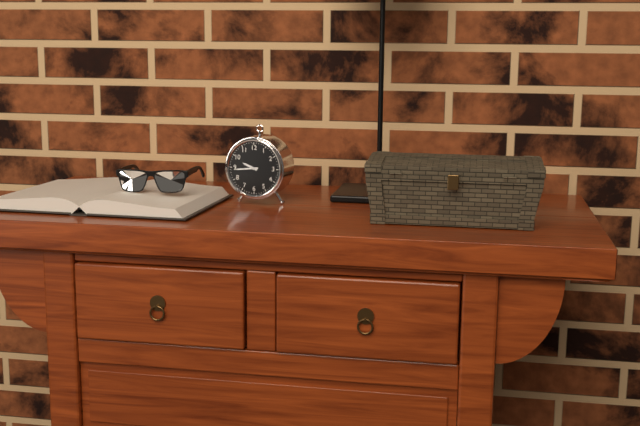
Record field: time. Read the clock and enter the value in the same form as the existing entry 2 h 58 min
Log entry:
9 h 44 min
